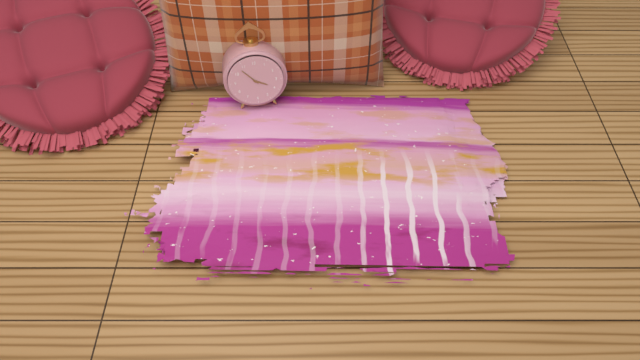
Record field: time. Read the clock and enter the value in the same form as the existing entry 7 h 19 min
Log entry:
3 h 53 min
